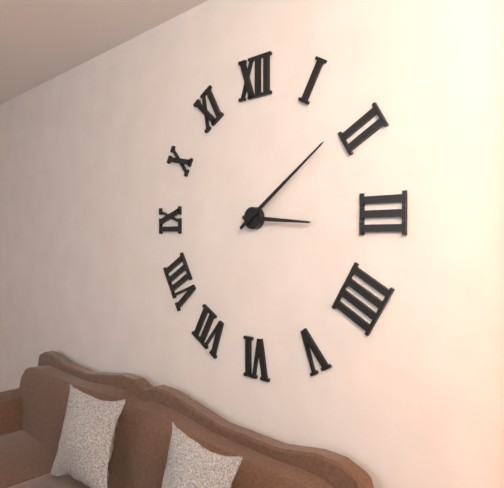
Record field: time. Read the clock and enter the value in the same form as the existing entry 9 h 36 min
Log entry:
3 h 09 min
